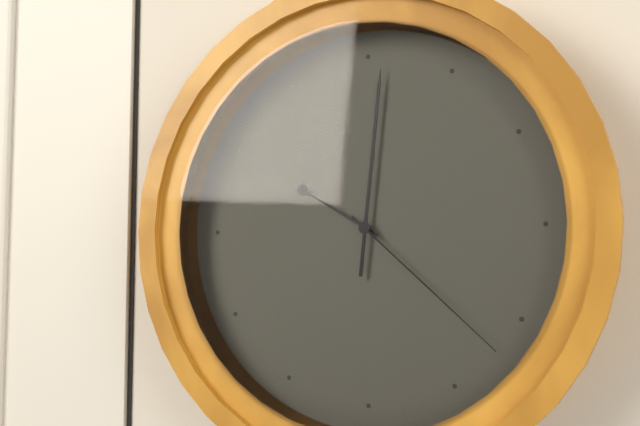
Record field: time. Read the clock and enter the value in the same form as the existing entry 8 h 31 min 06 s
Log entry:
10 h 01 min 22 s
